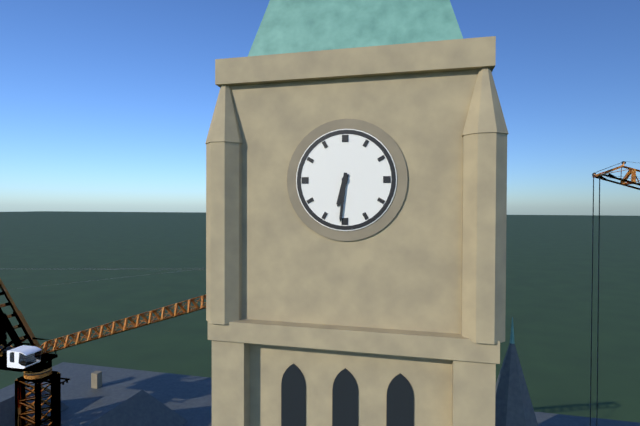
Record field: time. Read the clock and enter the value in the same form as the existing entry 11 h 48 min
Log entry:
6 h 31 min
